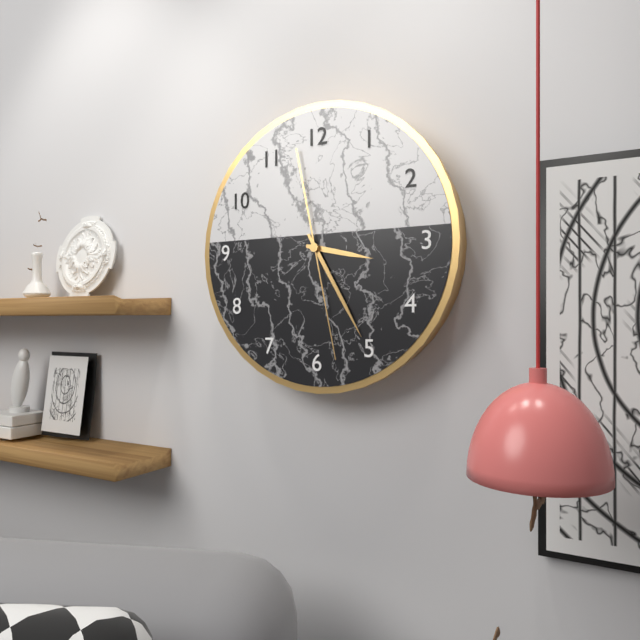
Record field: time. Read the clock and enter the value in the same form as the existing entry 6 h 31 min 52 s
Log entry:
3 h 25 min 28 s
